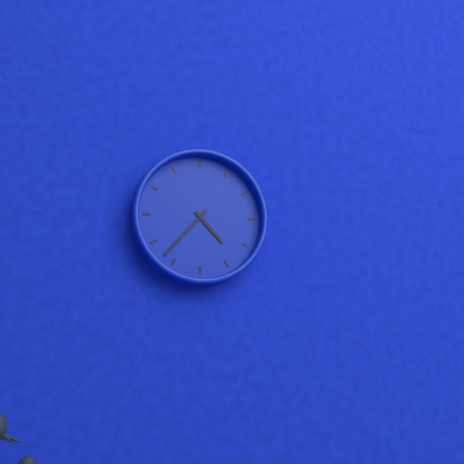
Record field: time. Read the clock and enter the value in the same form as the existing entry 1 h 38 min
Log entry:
4 h 37 min
